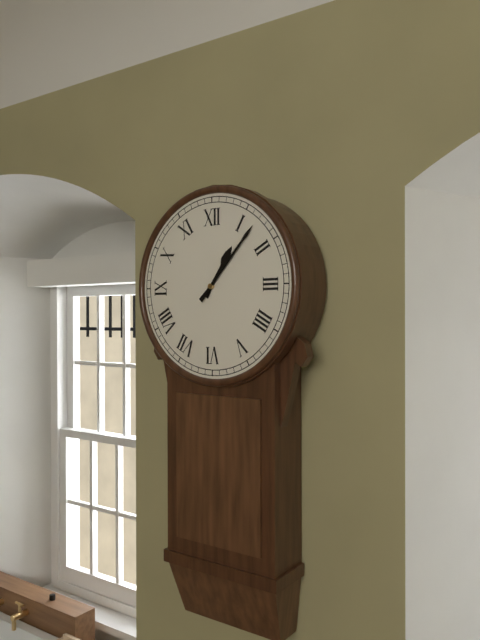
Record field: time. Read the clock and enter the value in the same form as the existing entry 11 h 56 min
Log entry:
1 h 07 min
